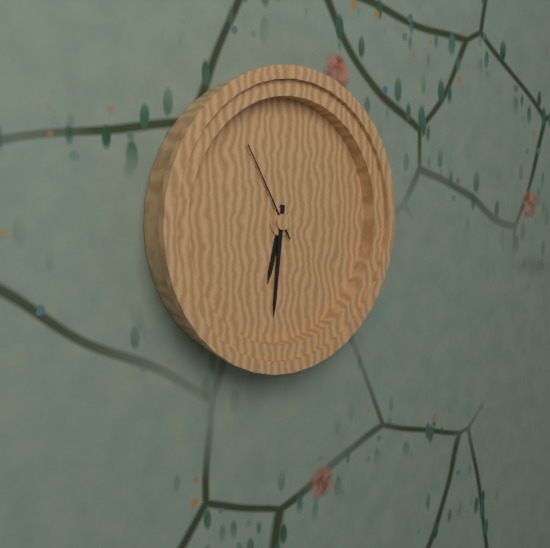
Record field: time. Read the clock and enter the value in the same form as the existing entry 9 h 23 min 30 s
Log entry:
6 h 31 min 55 s
